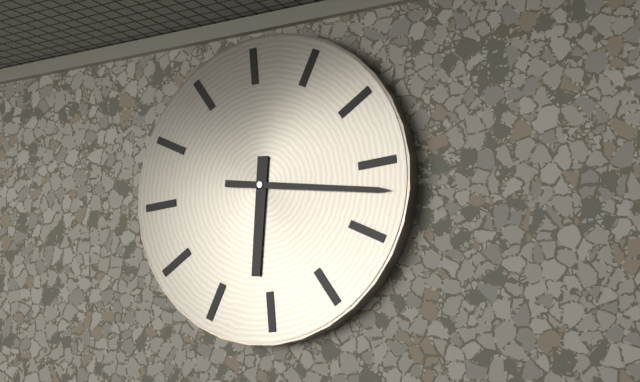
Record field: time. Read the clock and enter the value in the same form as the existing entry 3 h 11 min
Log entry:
6 h 17 min
